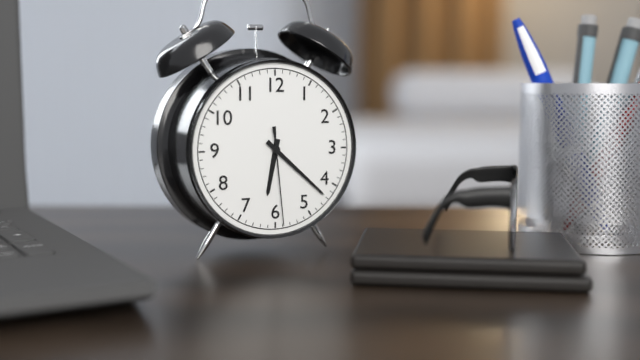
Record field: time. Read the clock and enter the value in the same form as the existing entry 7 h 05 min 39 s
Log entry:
6 h 22 min 29 s
